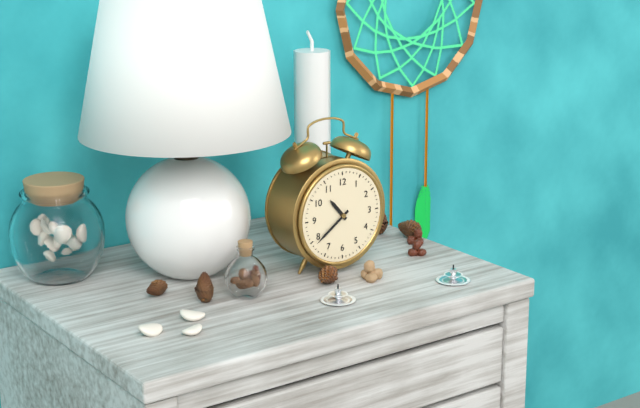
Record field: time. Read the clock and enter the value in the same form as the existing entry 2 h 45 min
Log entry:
10 h 39 min
